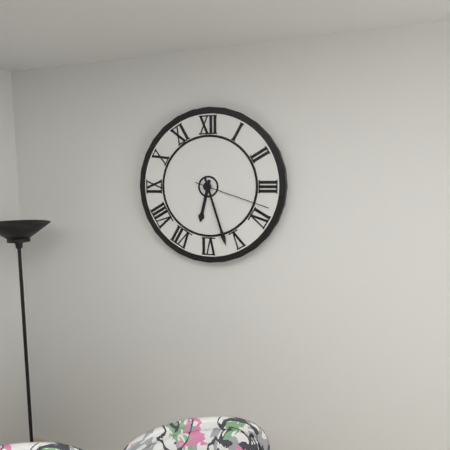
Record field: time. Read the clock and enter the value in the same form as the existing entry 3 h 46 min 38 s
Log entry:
6 h 27 min 18 s
